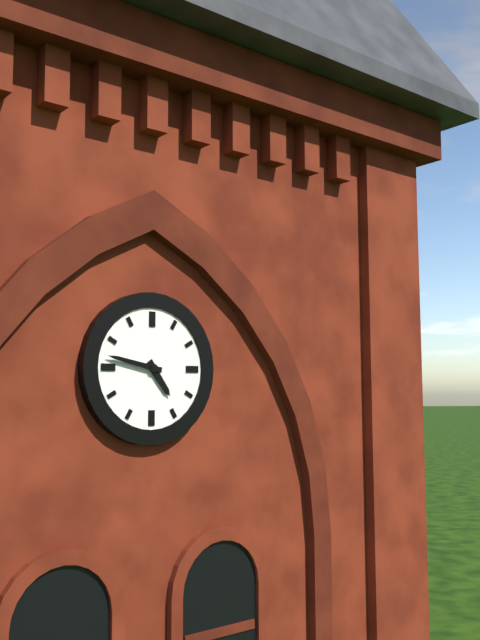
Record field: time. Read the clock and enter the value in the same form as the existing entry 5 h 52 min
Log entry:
4 h 47 min
